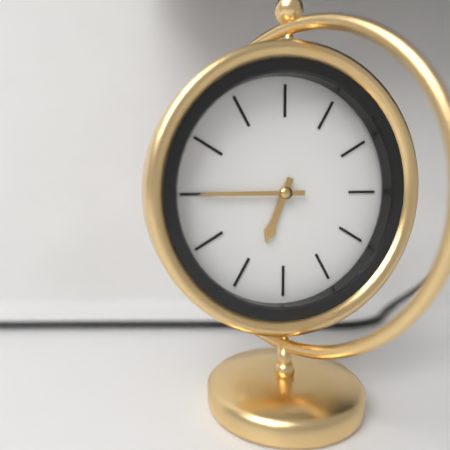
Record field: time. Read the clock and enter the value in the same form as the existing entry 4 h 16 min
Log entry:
6 h 45 min
